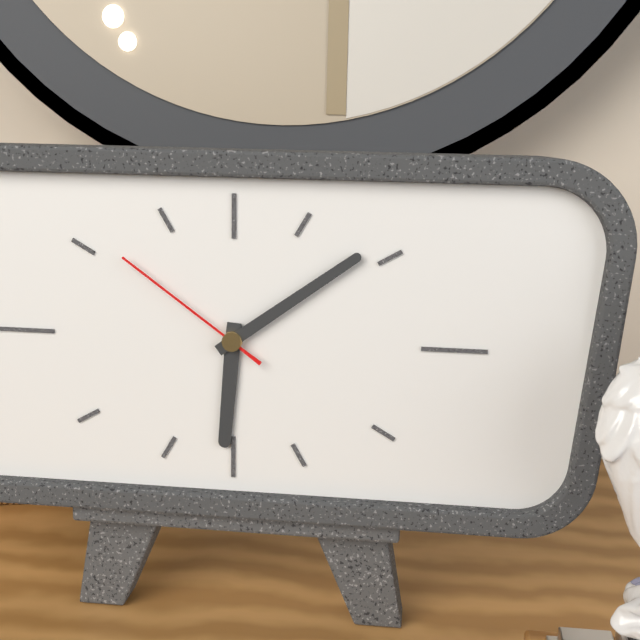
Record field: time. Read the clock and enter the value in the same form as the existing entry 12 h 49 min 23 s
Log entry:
6 h 09 min 51 s
